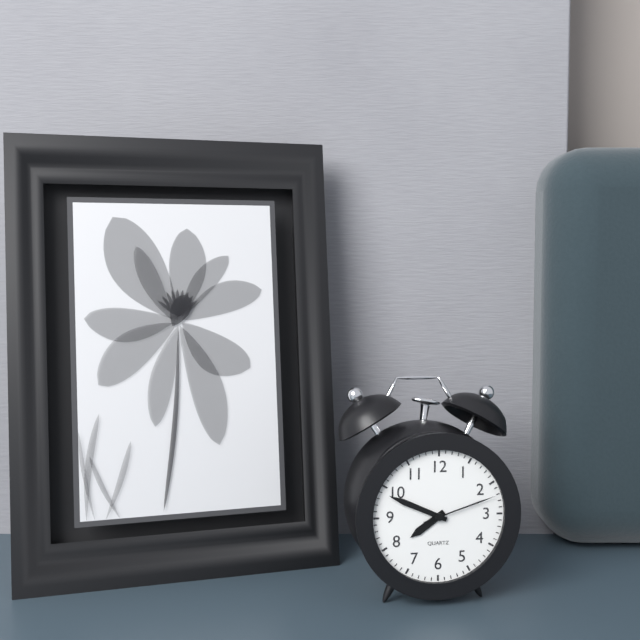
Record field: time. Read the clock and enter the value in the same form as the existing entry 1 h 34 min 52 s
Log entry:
7 h 49 min 12 s
